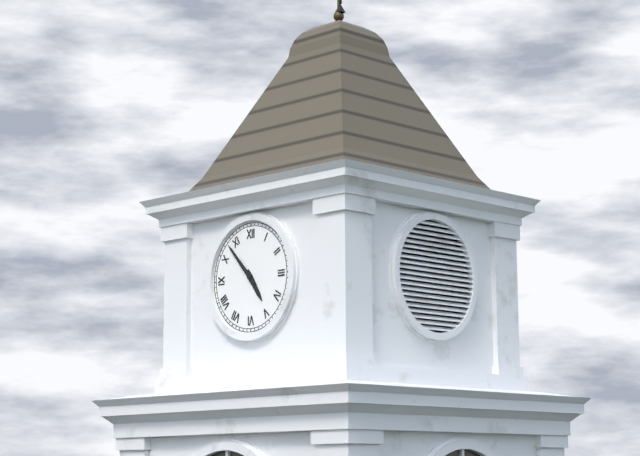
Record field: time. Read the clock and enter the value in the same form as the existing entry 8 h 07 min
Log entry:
4 h 53 min
